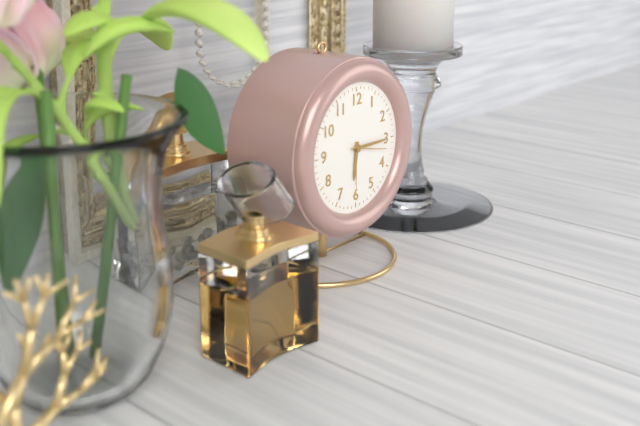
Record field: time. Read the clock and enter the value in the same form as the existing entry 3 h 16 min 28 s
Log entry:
6 h 15 min 17 s
